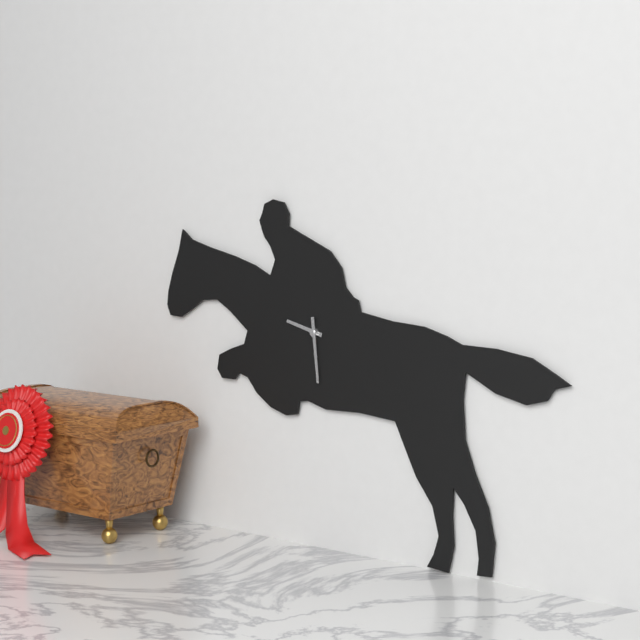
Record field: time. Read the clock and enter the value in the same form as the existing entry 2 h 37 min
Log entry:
9 h 29 min
